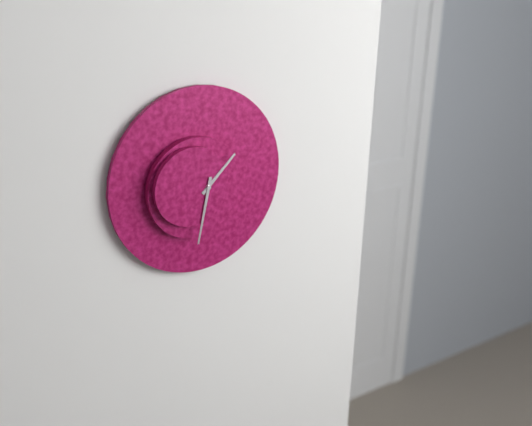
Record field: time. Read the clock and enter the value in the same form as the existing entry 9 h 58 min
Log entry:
1 h 32 min
